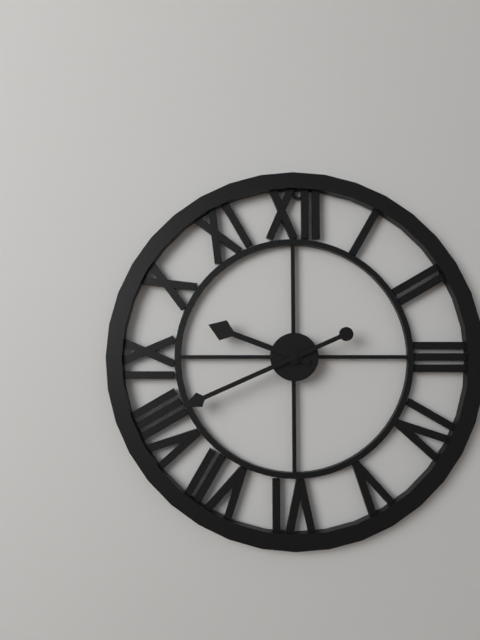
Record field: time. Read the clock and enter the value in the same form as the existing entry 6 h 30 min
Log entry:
9 h 41 min
